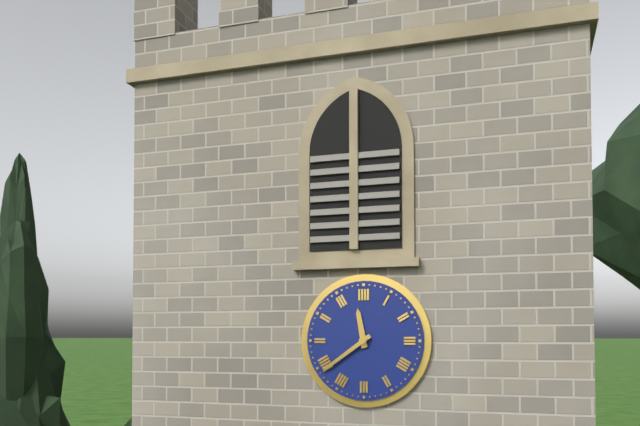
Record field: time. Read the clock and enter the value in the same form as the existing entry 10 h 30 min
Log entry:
11 h 39 min
